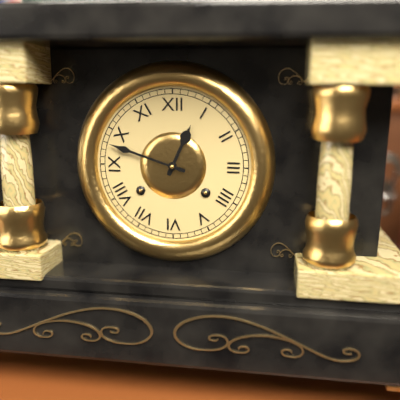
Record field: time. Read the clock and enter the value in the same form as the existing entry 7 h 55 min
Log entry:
12 h 48 min
